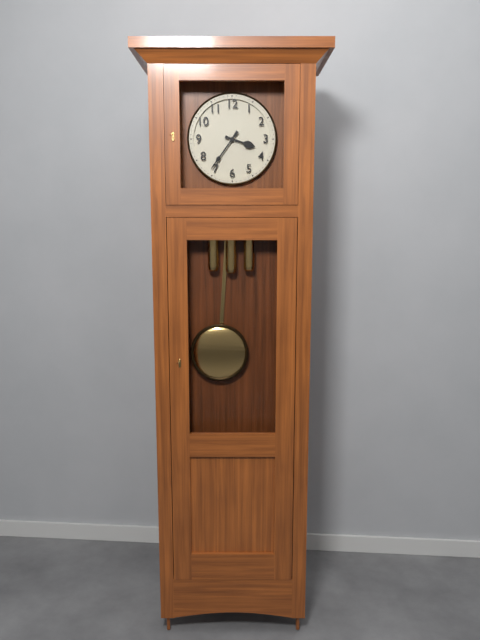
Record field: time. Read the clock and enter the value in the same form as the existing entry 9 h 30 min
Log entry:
3 h 36 min
